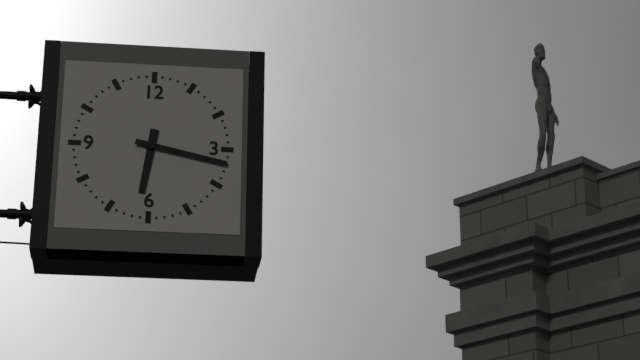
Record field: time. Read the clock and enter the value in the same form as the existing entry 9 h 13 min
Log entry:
6 h 17 min
